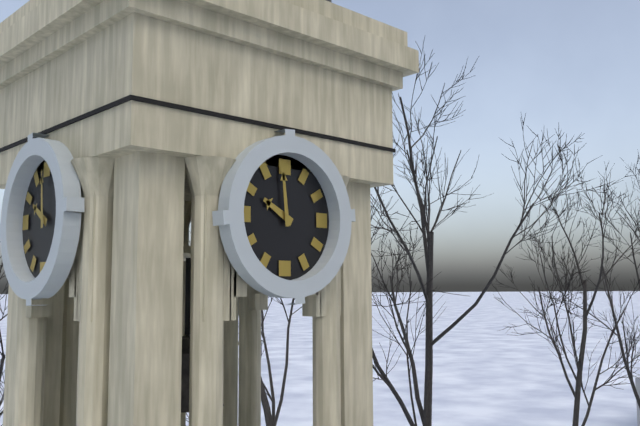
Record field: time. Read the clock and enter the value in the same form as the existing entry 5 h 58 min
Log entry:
9 h 59 min
